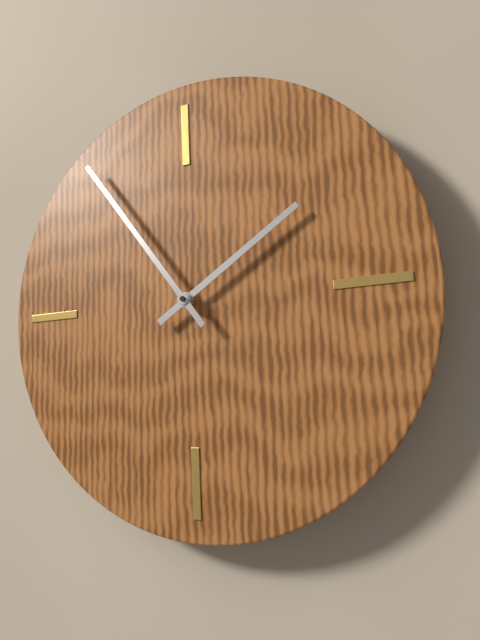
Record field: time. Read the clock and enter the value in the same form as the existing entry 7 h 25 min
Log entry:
1 h 54 min
